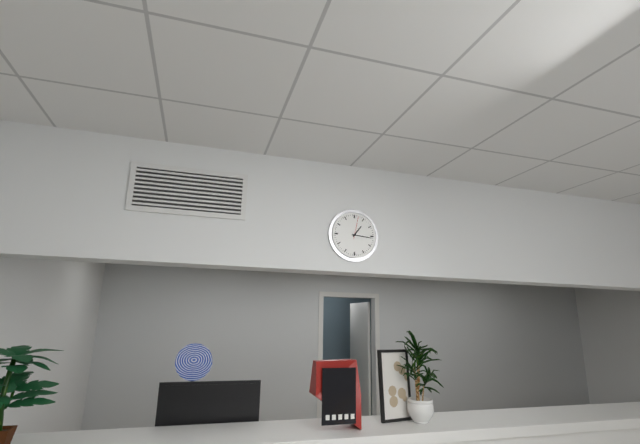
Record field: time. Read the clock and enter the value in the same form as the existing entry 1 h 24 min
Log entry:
1 h 16 min
